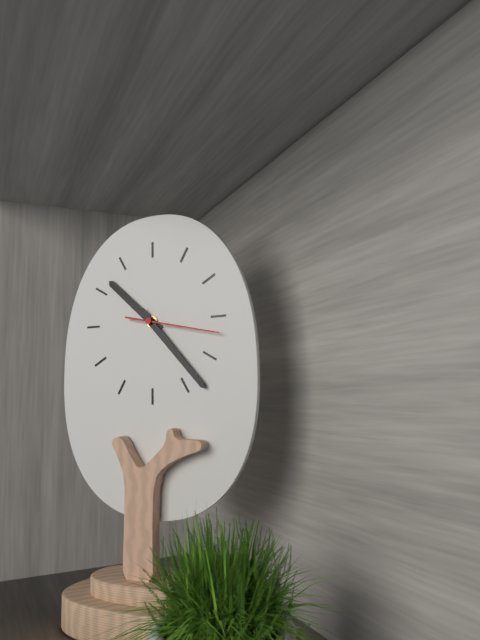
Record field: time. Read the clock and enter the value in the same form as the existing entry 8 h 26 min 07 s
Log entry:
10 h 23 min 17 s
